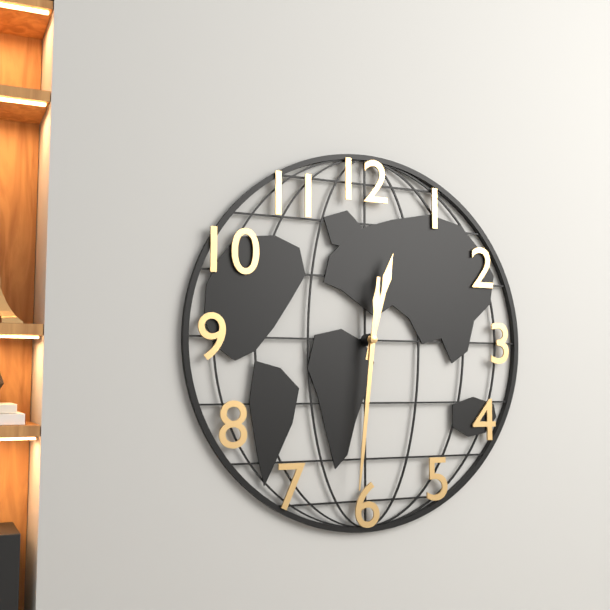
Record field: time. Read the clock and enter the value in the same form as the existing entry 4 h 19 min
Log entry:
12 h 31 min
